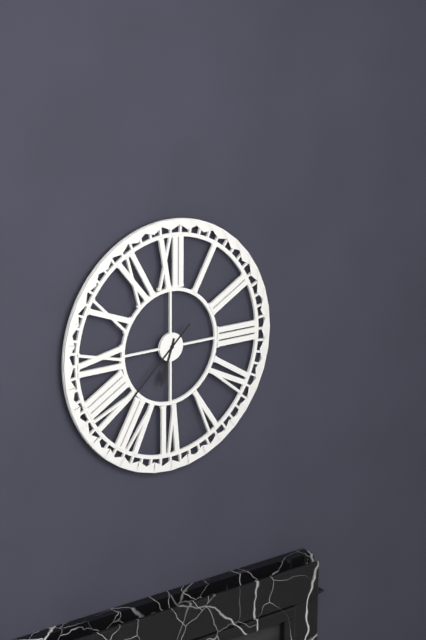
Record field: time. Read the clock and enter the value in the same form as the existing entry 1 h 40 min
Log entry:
6 h 38 min
